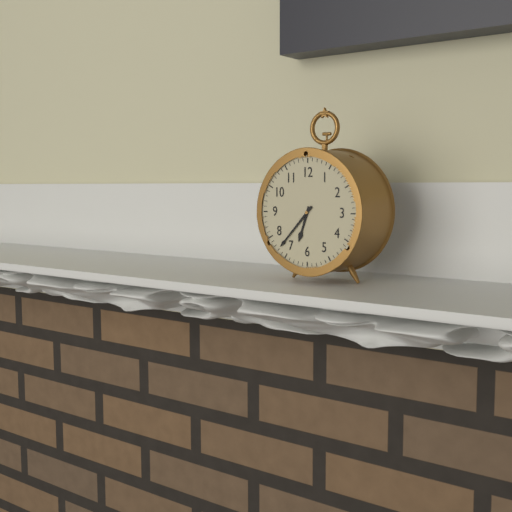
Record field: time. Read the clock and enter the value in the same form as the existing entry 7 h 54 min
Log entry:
6 h 37 min
